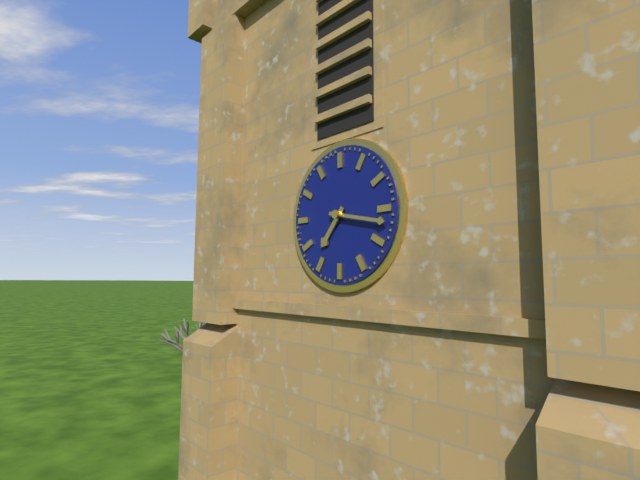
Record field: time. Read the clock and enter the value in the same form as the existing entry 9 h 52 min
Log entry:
7 h 17 min
